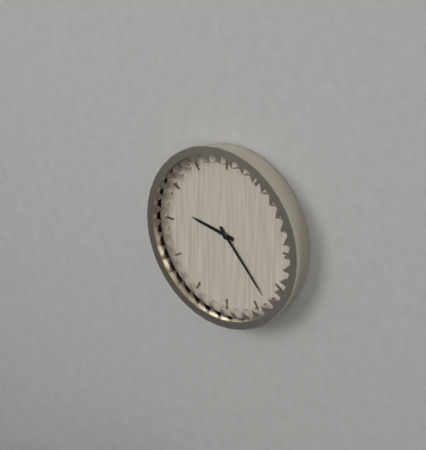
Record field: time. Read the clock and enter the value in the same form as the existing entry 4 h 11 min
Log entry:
9 h 23 min
